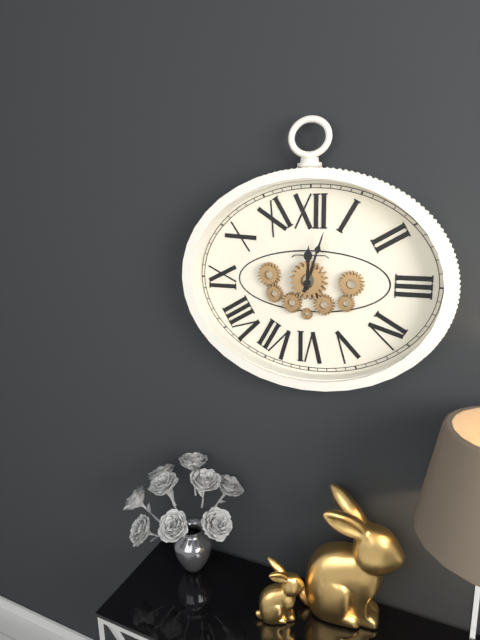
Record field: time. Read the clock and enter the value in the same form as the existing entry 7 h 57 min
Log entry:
12 h 03 min
